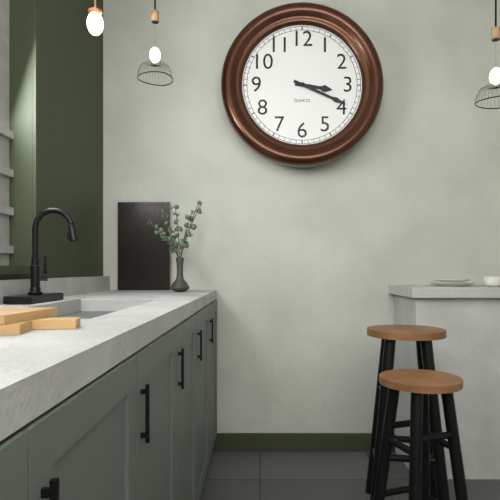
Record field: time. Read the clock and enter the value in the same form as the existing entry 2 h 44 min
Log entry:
3 h 19 min
